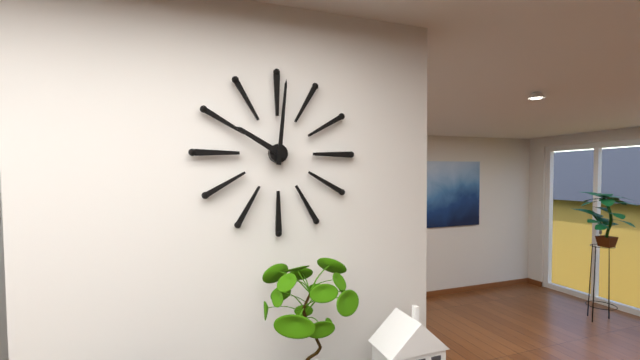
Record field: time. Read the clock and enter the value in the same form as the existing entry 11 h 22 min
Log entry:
10 h 01 min
